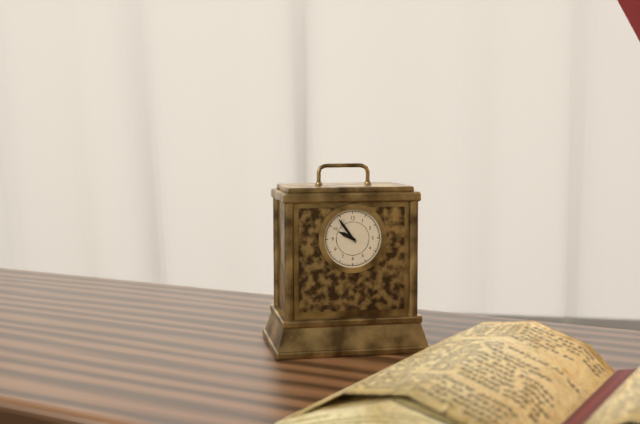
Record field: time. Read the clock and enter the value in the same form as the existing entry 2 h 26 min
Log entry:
9 h 54 min
